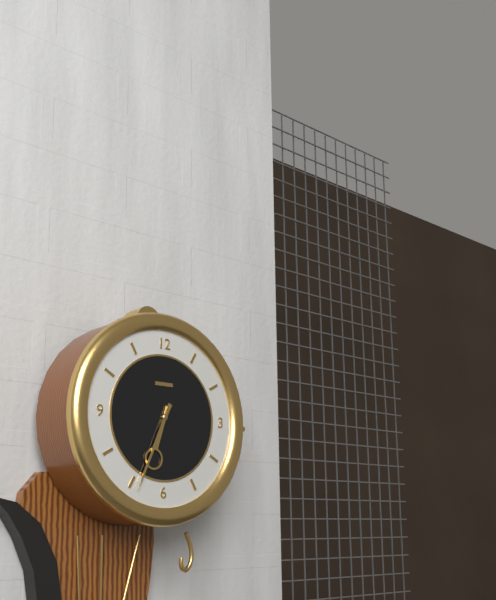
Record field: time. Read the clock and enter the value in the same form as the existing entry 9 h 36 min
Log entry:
6 h 34 min
